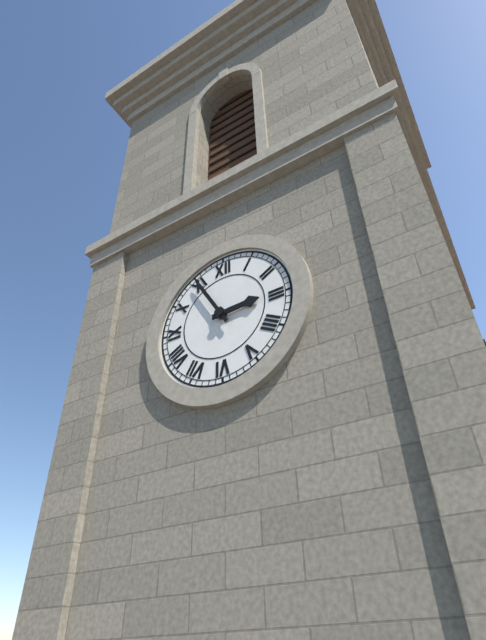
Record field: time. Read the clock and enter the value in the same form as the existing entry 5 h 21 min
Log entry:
2 h 55 min
